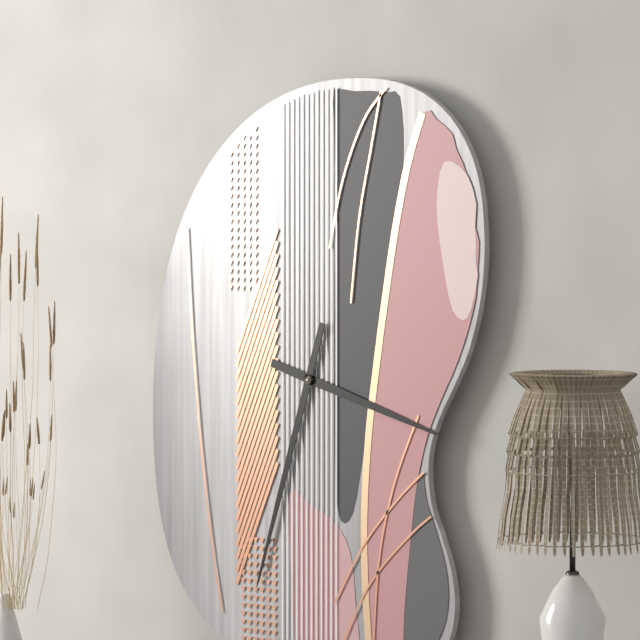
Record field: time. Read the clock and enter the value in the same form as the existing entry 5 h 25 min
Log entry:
3 h 33 min
